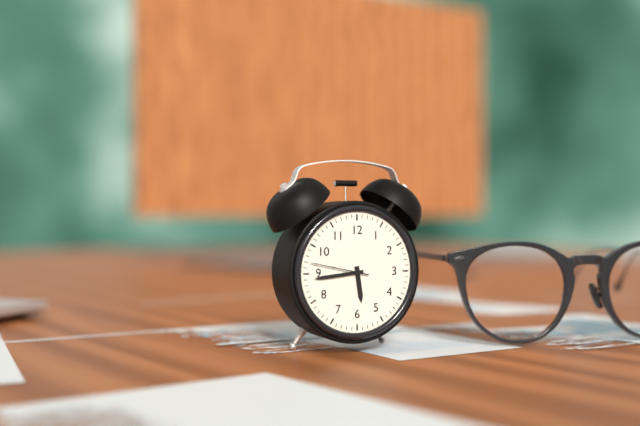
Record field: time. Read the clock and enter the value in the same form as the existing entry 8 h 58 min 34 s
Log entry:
5 h 44 min 47 s
